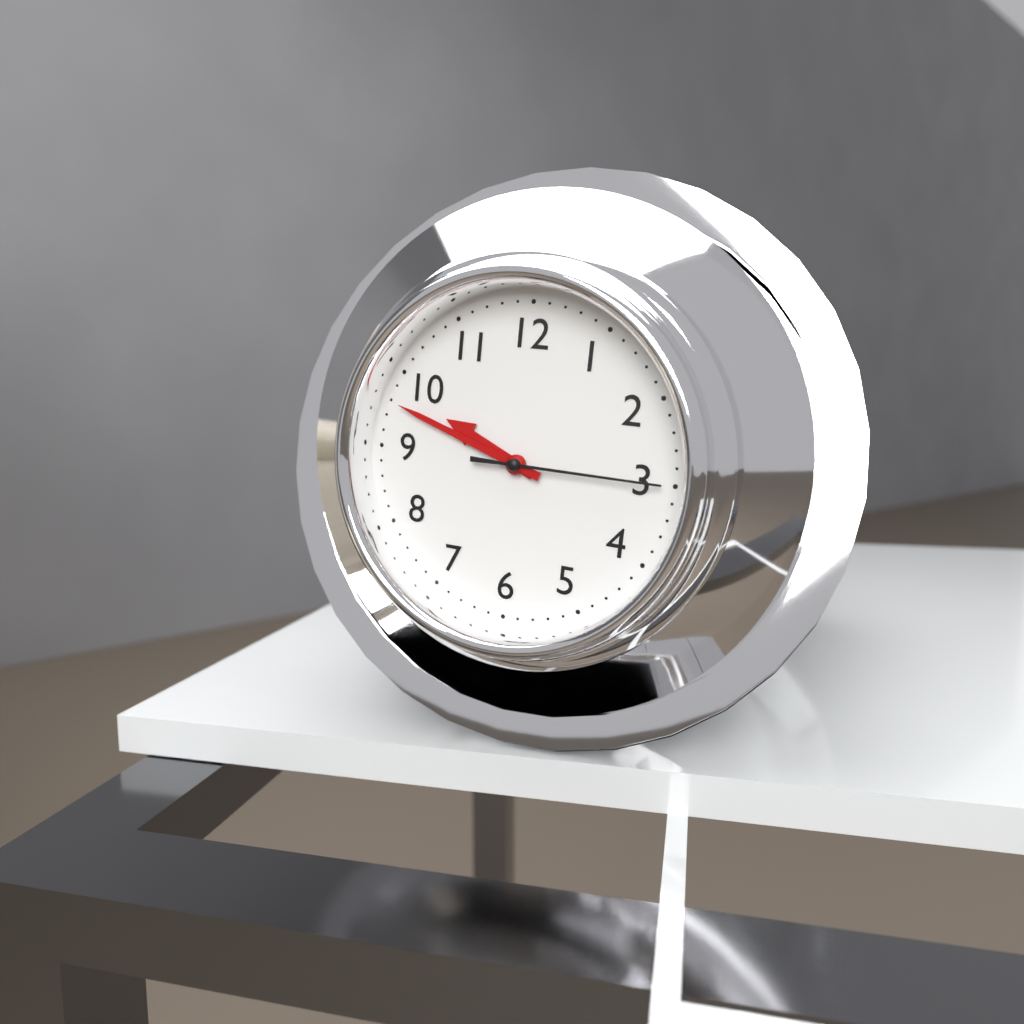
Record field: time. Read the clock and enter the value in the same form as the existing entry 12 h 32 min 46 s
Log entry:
9 h 48 min 15 s
